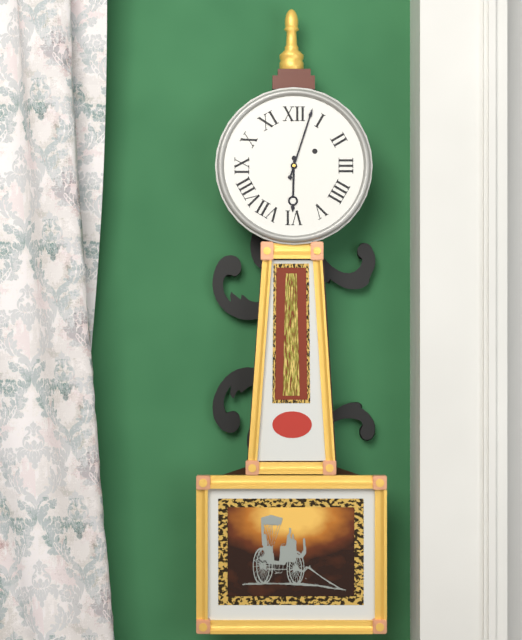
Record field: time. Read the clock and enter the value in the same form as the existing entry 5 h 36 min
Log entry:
6 h 03 min
